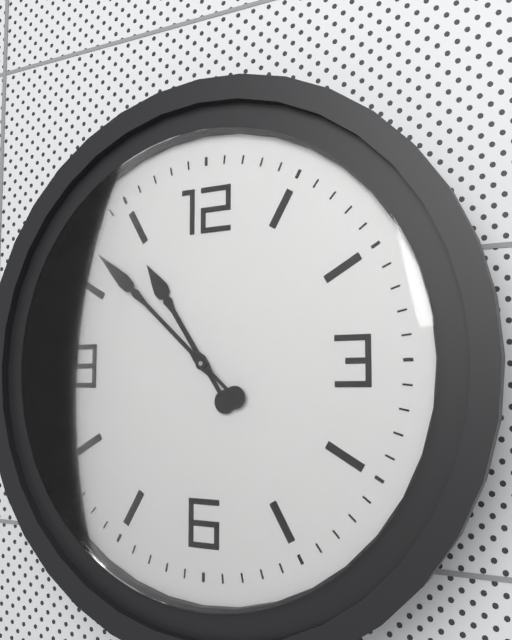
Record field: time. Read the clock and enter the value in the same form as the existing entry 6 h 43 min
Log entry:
10 h 52 min
